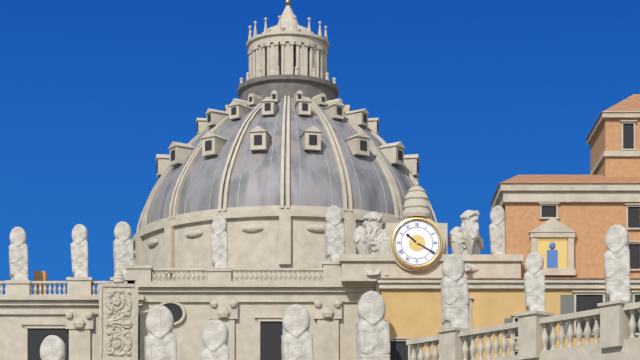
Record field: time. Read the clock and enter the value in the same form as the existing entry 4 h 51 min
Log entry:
10 h 20 min
